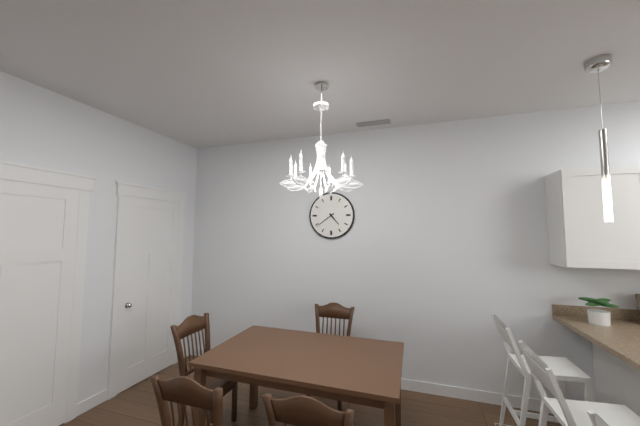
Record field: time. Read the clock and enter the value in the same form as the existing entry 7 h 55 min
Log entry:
4 h 39 min
